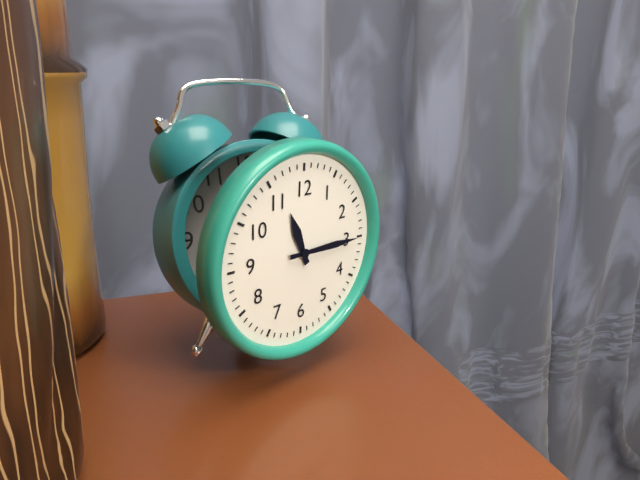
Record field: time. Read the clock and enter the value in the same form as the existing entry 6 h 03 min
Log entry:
11 h 15 min
